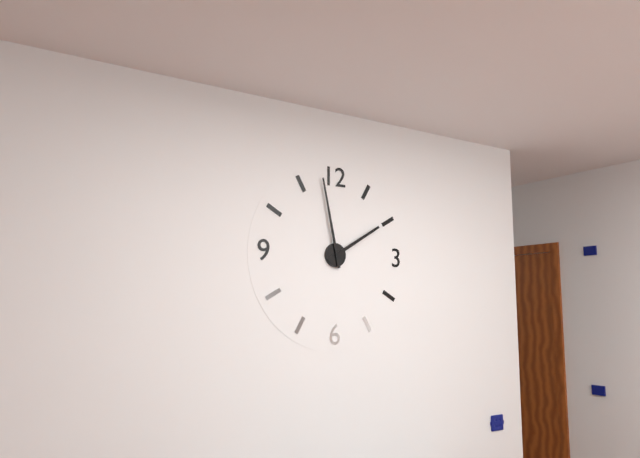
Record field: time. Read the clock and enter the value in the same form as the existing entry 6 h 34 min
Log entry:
1 h 58 min
